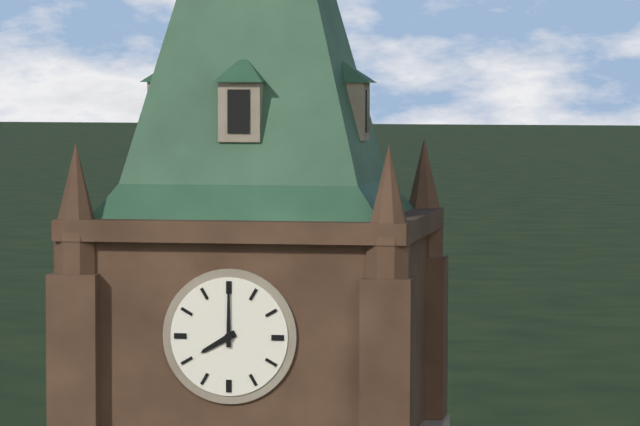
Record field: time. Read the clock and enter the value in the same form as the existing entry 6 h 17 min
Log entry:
8 h 00 min
